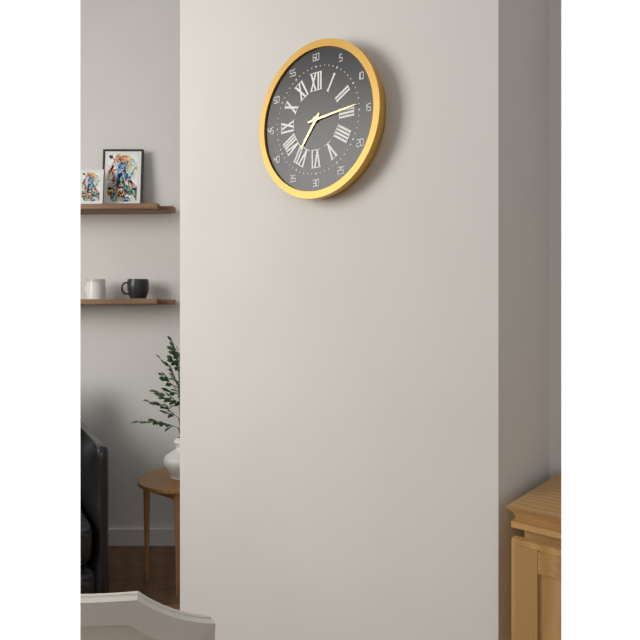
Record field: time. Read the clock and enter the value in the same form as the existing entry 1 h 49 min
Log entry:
7 h 14 min
